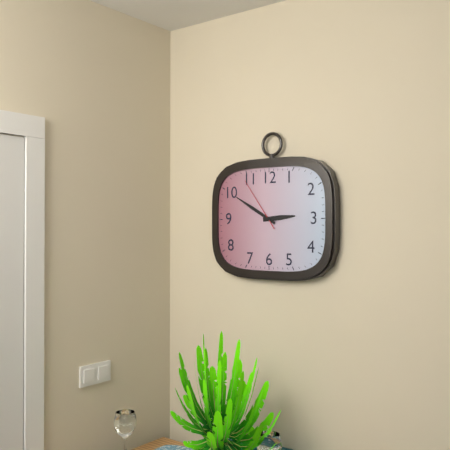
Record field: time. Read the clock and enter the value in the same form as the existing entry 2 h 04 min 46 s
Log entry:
2 h 50 min 54 s
